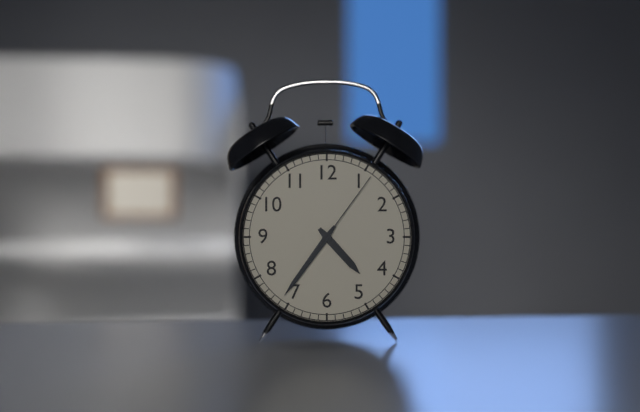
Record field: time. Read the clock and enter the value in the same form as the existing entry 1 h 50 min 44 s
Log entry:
4 h 36 min 06 s
